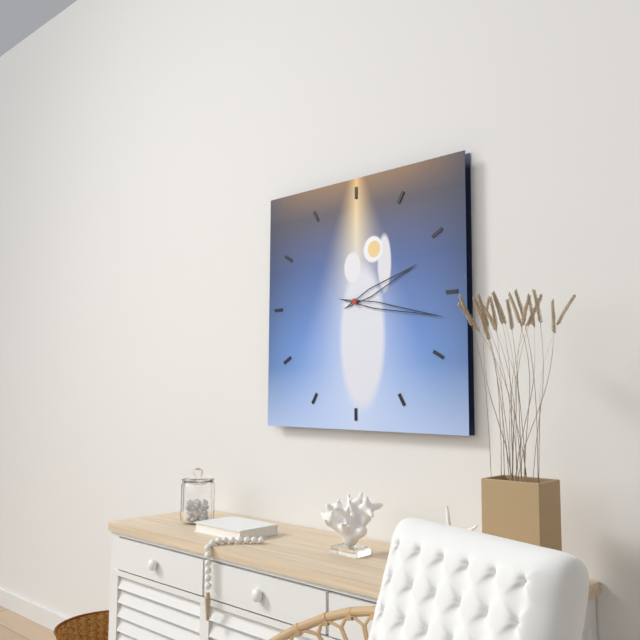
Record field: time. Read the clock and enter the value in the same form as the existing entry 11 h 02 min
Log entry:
2 h 17 min
